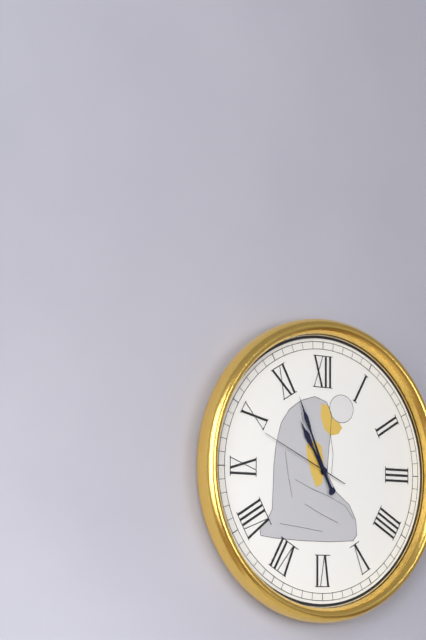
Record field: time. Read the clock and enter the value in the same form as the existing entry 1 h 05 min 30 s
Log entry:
10 h 56 min 49 s
